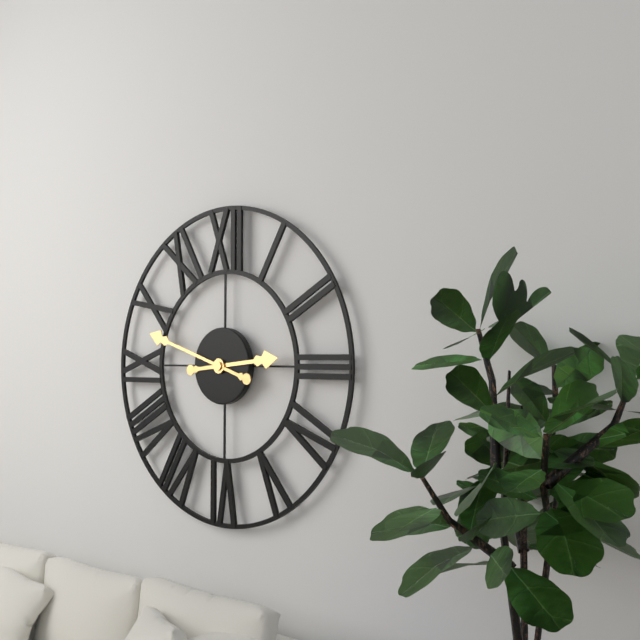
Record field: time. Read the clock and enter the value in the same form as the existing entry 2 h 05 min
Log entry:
2 h 48 min
